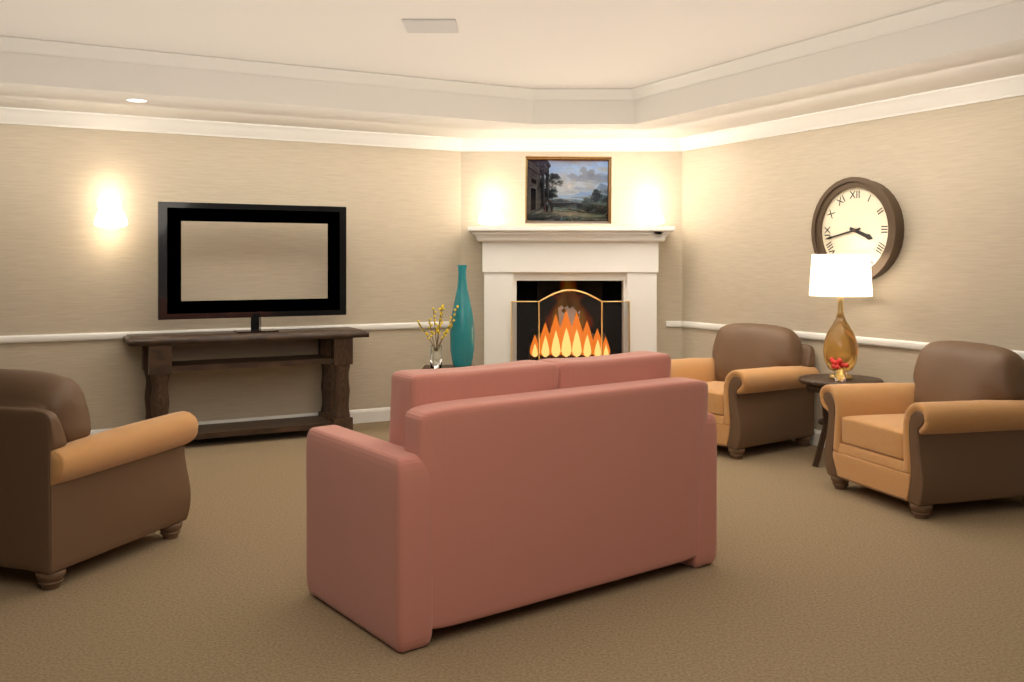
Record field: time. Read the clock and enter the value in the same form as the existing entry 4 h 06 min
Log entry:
3 h 43 min
